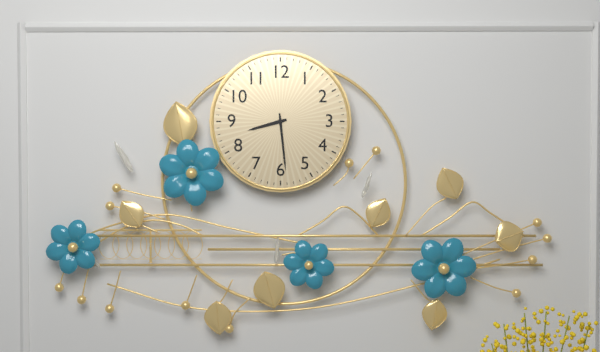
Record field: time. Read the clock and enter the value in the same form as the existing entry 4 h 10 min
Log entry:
8 h 29 min
